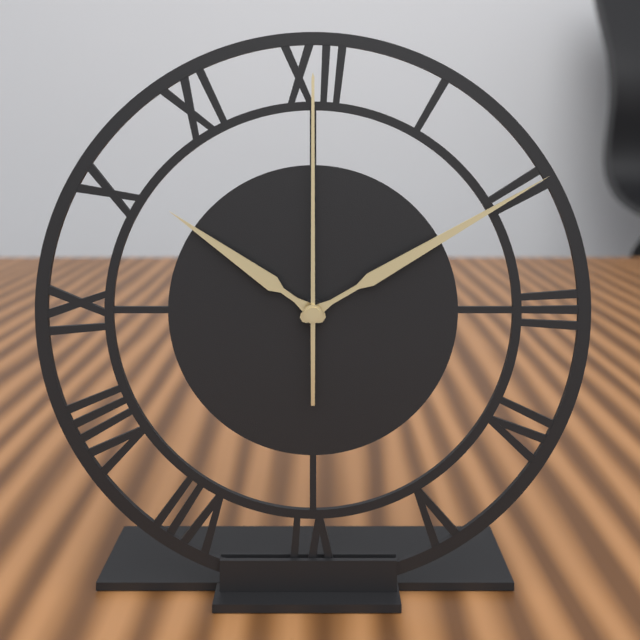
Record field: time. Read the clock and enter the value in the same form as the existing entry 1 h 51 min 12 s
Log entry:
10 h 10 min 00 s
